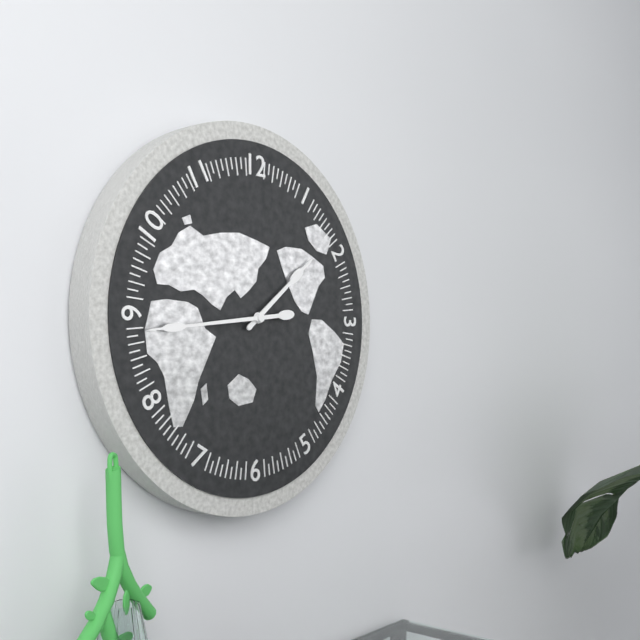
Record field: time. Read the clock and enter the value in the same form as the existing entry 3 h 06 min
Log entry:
1 h 44 min
